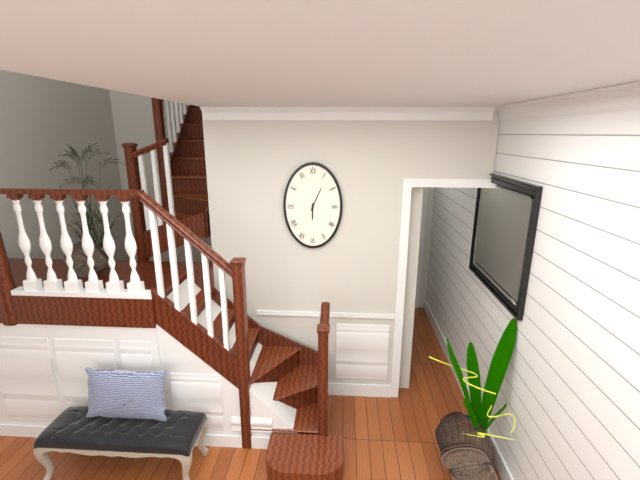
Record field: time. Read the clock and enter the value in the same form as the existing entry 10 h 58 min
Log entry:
6 h 04 min
